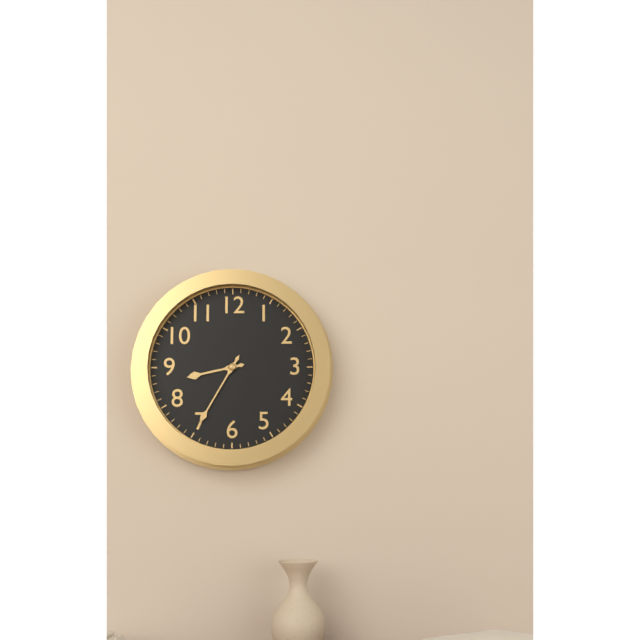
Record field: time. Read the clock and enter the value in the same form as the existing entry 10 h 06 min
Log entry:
8 h 35 min
